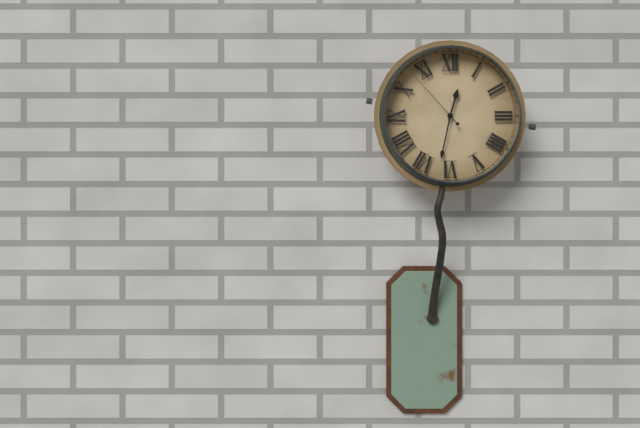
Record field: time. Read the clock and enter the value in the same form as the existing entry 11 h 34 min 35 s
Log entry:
12 h 32 min 53 s
